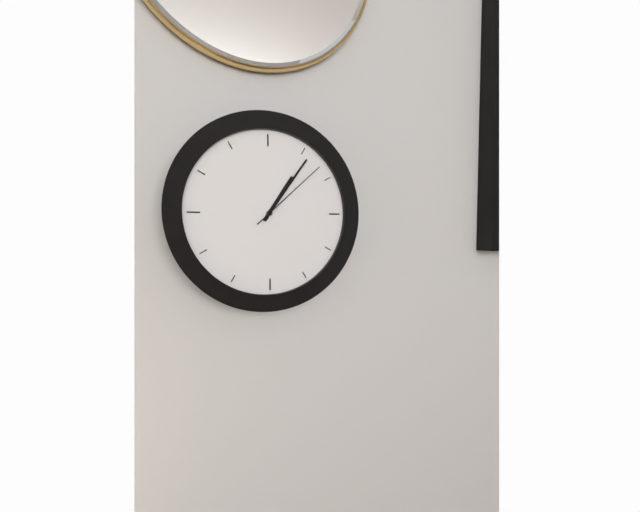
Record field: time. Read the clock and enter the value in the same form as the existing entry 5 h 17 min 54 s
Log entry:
1 h 06 min 08 s
